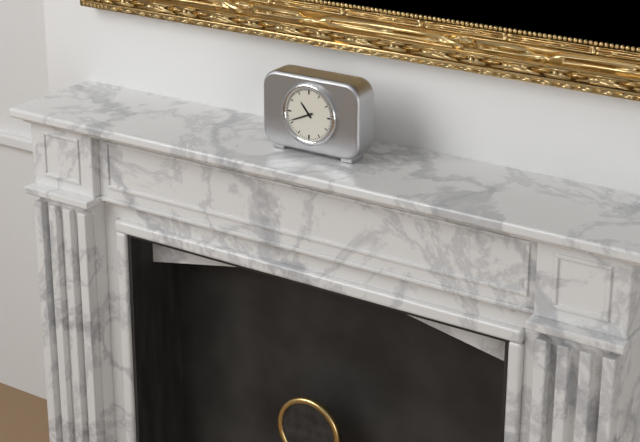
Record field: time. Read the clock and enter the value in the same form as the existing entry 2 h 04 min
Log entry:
10 h 41 min
